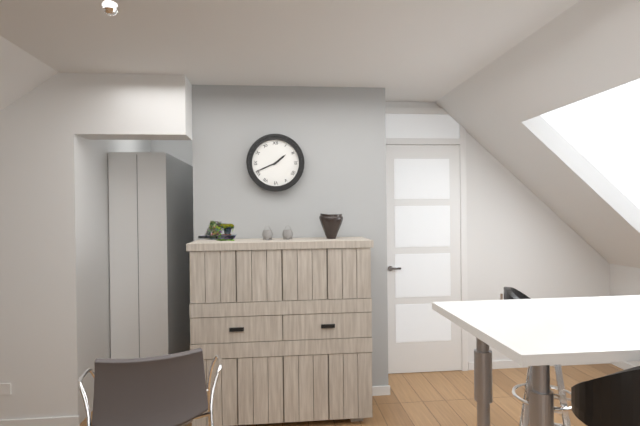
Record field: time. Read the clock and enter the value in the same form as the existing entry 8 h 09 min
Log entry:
1 h 41 min
